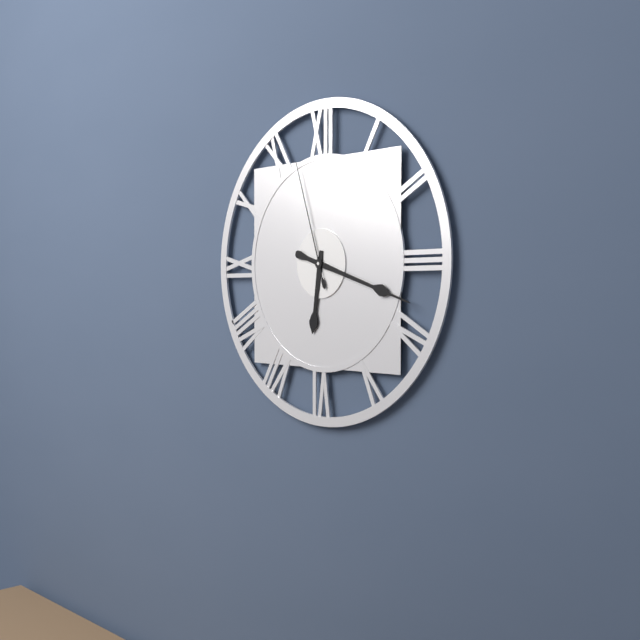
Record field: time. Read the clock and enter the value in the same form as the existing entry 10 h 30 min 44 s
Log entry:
6 h 18 min 57 s
